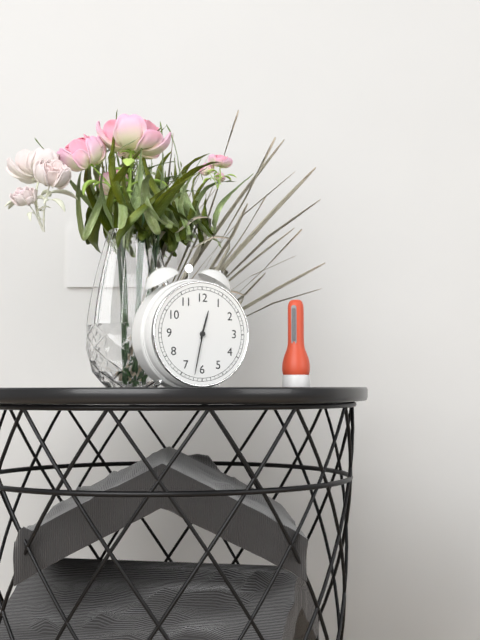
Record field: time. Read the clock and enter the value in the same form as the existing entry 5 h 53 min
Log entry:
12 h 32 min
